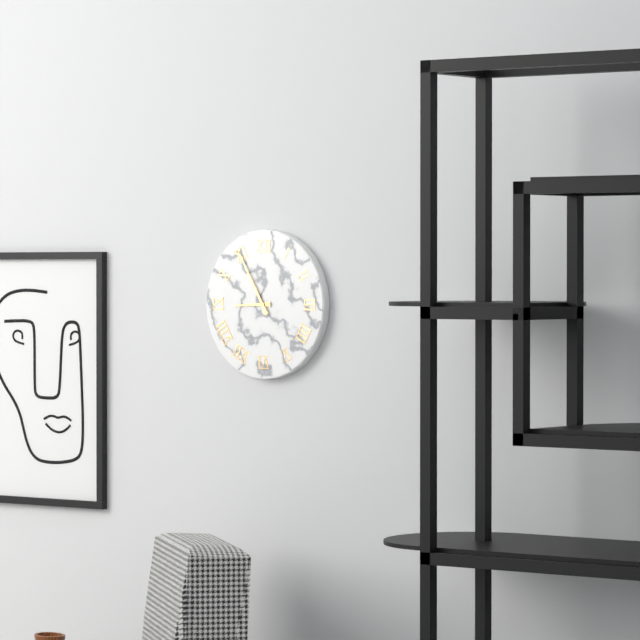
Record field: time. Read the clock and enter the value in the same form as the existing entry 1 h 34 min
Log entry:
8 h 55 min
